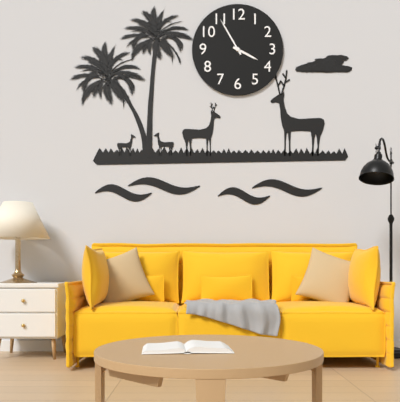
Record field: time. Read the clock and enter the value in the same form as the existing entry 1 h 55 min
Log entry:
3 h 55 min
